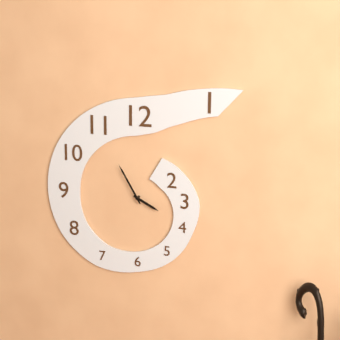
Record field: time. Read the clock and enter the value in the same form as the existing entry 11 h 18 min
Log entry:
3 h 55 min
